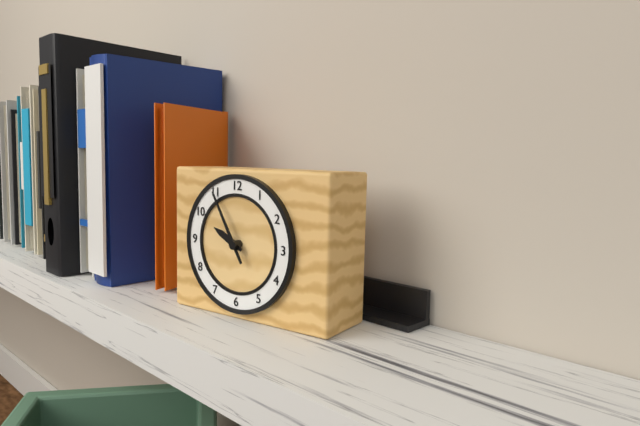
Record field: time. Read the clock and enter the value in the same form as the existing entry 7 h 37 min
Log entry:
9 h 55 min
